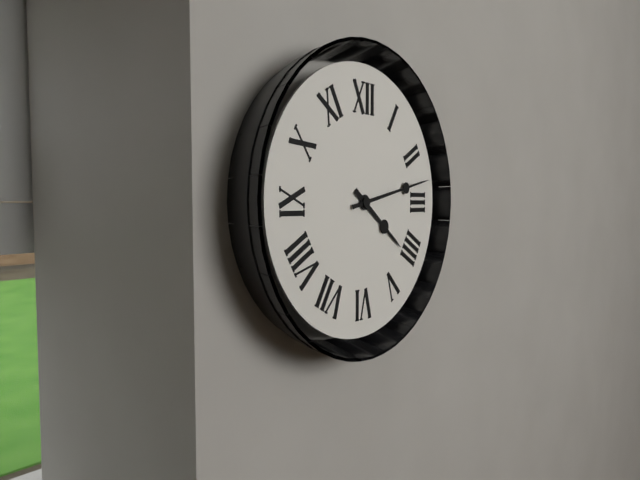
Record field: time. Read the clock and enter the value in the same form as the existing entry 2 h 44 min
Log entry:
4 h 13 min
